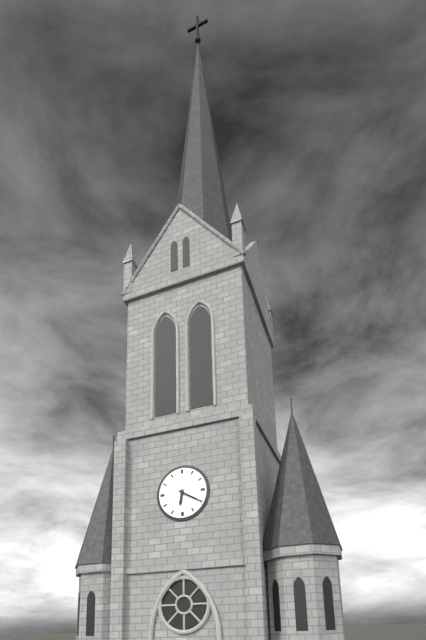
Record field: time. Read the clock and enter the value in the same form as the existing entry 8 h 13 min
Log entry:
6 h 20 min
